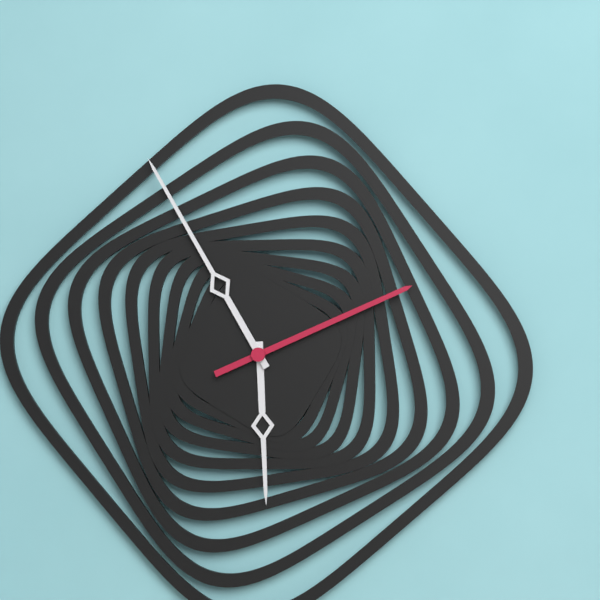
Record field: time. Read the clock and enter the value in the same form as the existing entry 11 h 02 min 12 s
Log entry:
5 h 55 min 11 s
